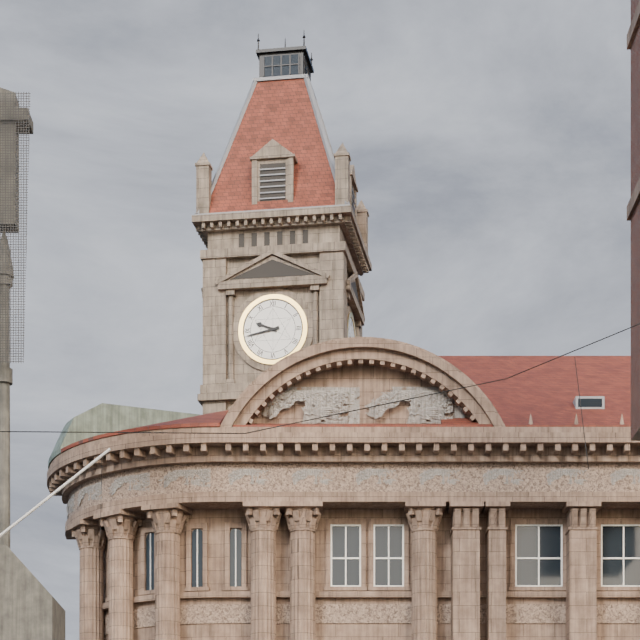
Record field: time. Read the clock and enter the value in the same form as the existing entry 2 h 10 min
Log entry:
9 h 43 min
